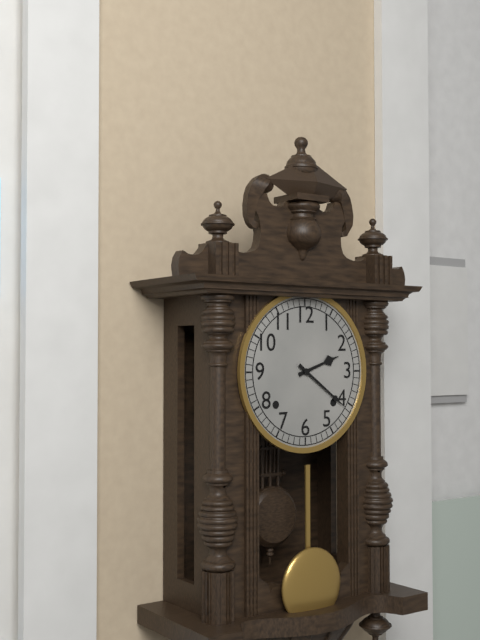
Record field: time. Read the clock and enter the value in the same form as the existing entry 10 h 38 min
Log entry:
2 h 21 min
